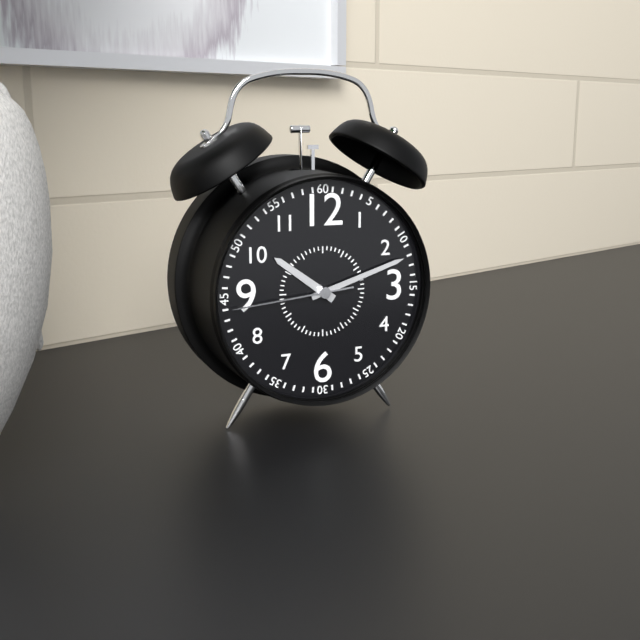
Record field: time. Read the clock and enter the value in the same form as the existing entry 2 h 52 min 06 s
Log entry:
10 h 12 min 44 s
